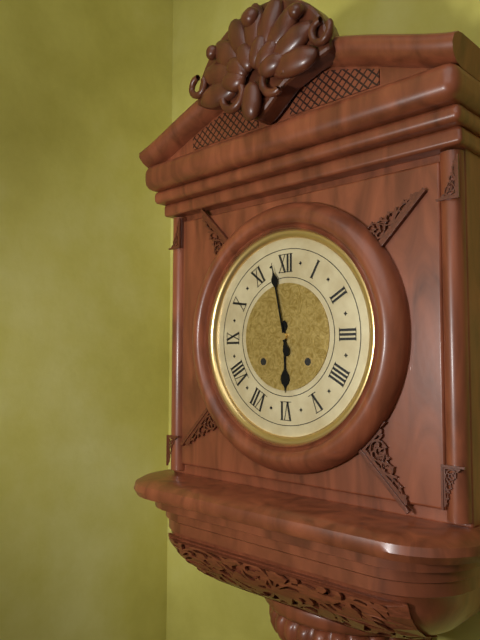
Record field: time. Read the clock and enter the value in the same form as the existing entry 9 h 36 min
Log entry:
5 h 58 min
